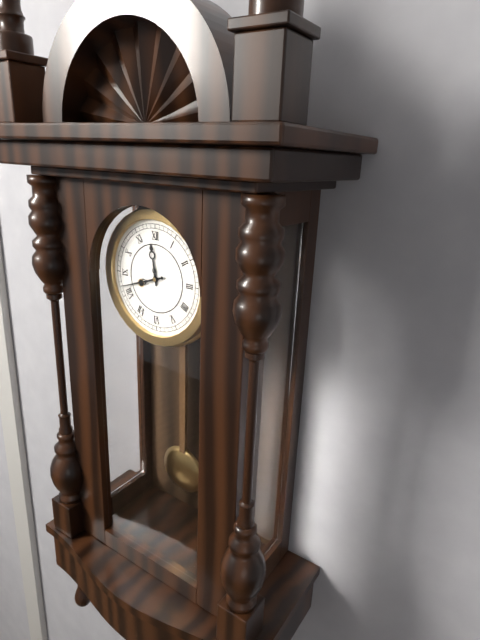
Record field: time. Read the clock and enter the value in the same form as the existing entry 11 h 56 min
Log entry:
11 h 42 min
